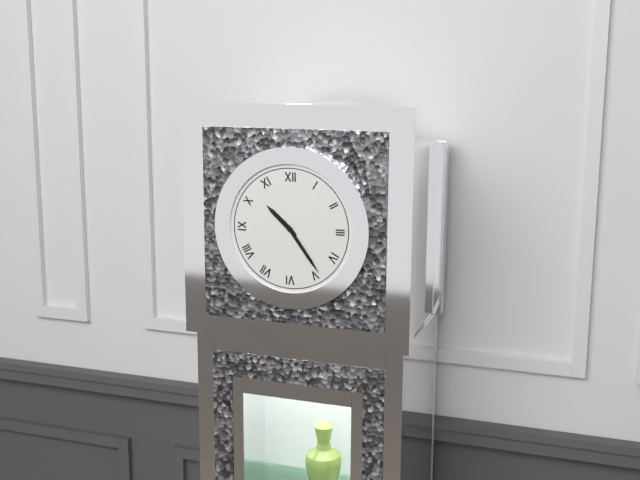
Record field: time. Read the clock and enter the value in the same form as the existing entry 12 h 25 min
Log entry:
10 h 24 min
